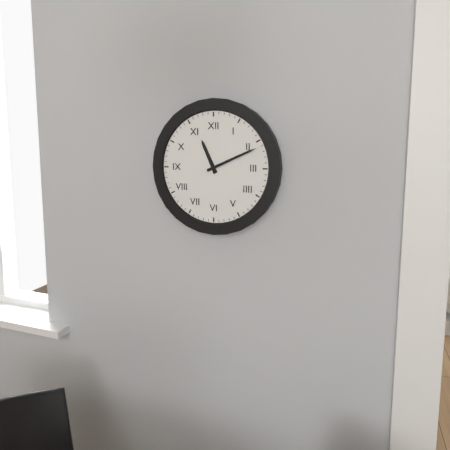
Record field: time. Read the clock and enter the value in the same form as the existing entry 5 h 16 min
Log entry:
11 h 11 min
